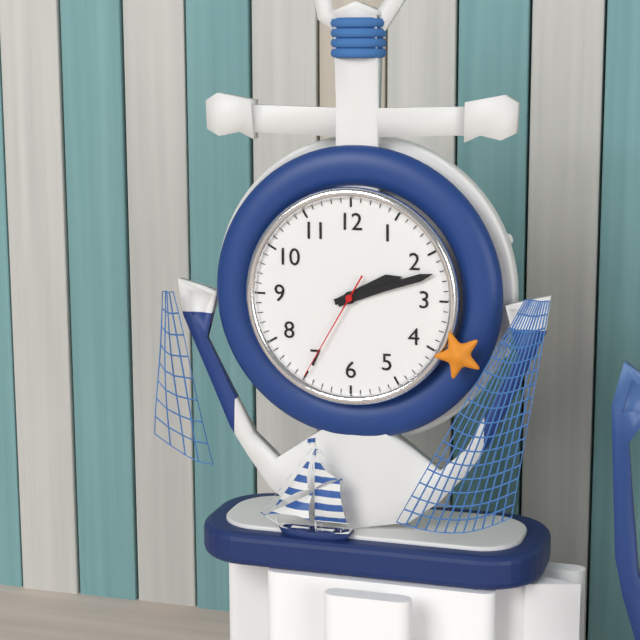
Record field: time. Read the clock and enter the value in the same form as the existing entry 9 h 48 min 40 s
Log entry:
2 h 12 min 35 s
